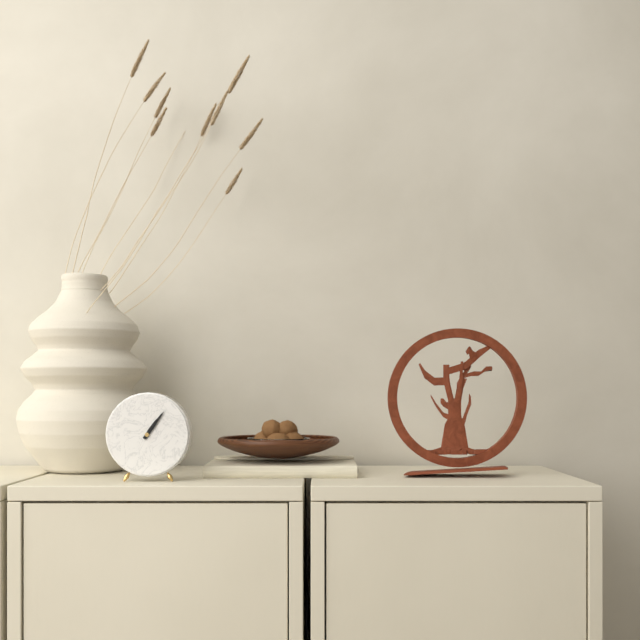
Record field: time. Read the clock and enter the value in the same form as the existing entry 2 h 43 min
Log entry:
1 h 06 min
